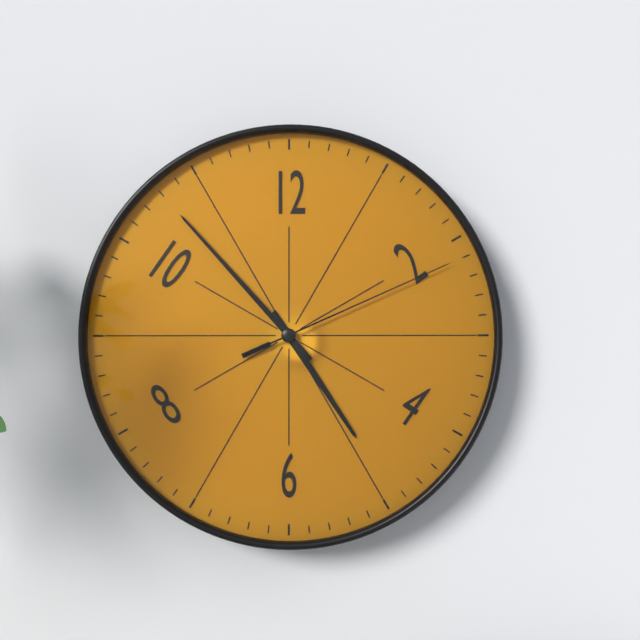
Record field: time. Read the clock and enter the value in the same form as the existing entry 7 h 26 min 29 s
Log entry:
4 h 53 min 11 s
